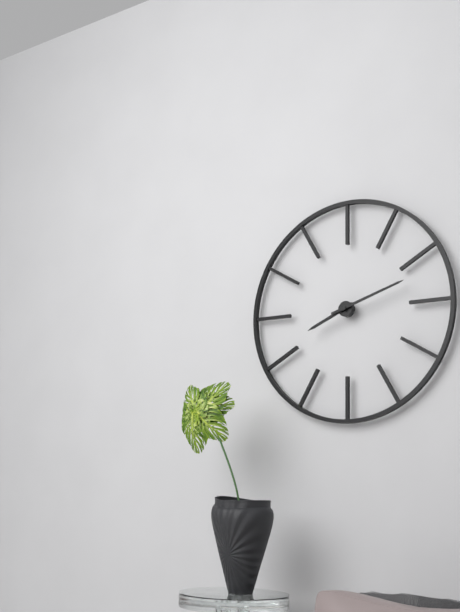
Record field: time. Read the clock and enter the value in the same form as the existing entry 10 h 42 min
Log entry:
8 h 12 min
